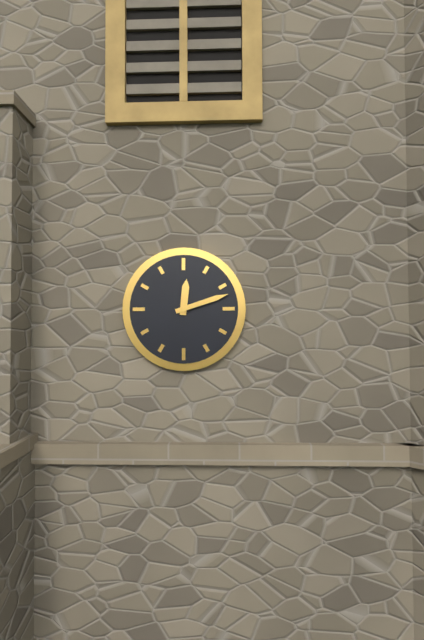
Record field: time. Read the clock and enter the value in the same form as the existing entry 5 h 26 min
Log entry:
12 h 12 min
